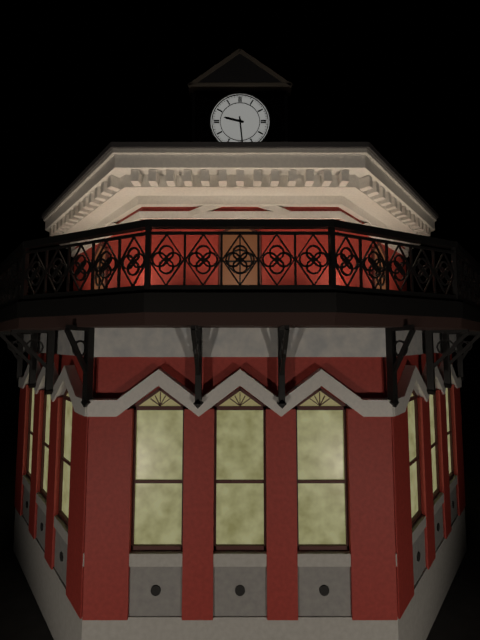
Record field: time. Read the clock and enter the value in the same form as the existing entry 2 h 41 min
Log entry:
9 h 29 min
